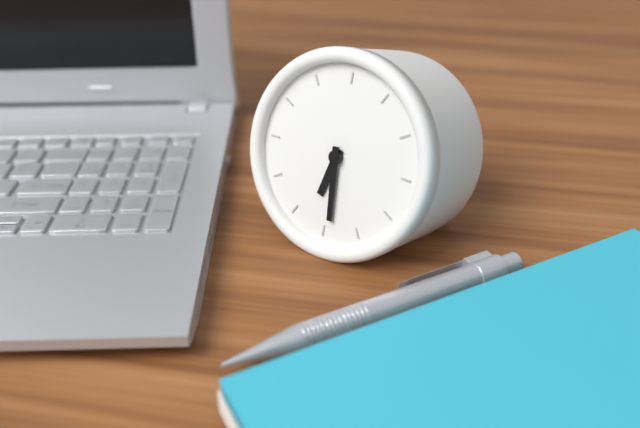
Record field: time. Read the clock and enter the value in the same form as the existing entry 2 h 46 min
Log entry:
6 h 29 min
